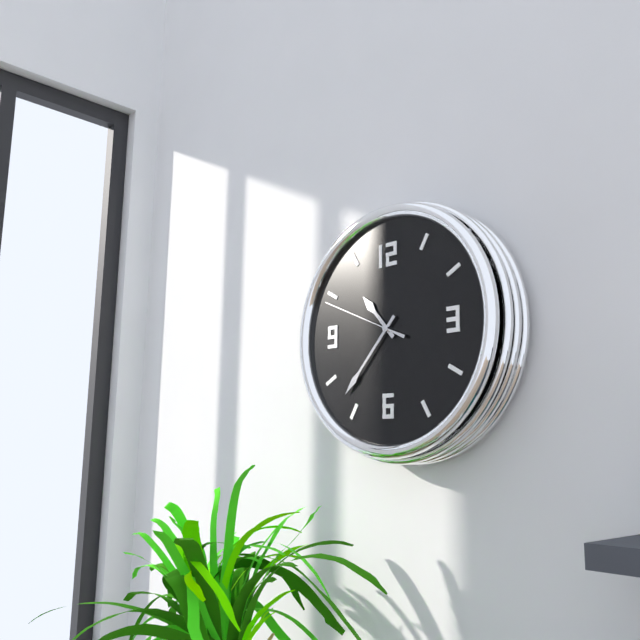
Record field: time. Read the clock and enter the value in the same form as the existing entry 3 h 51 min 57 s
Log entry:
10 h 37 min 49 s
